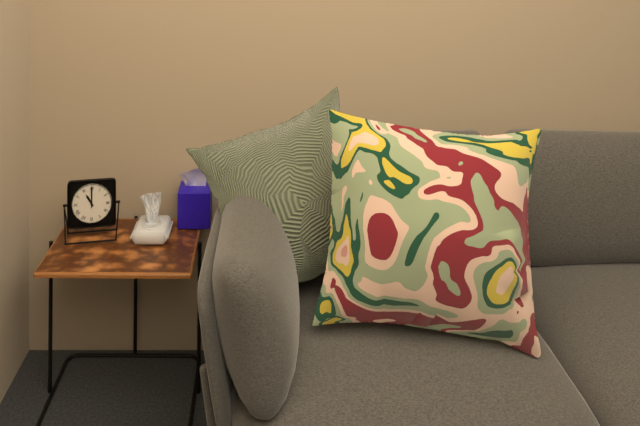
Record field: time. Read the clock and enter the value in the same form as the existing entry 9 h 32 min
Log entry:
11 h 00 min
